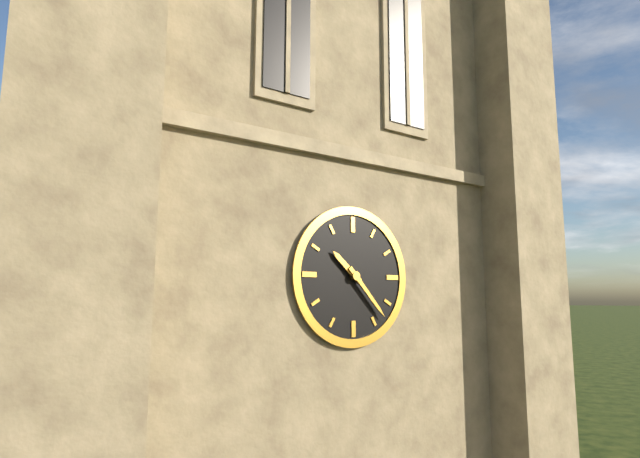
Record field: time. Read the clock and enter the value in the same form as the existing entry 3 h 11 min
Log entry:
10 h 23 min
